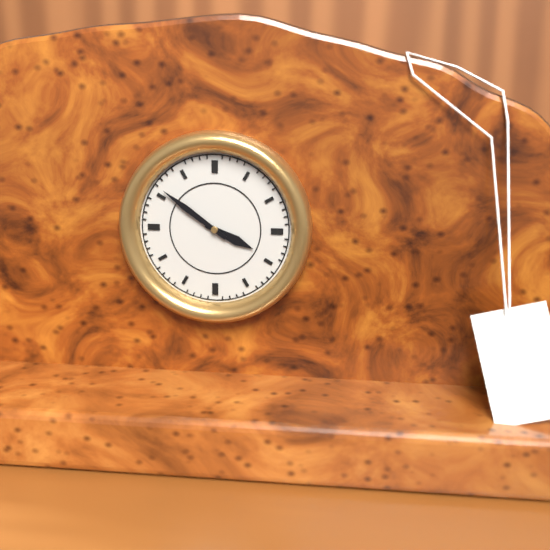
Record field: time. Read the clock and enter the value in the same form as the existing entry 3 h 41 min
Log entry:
3 h 51 min
